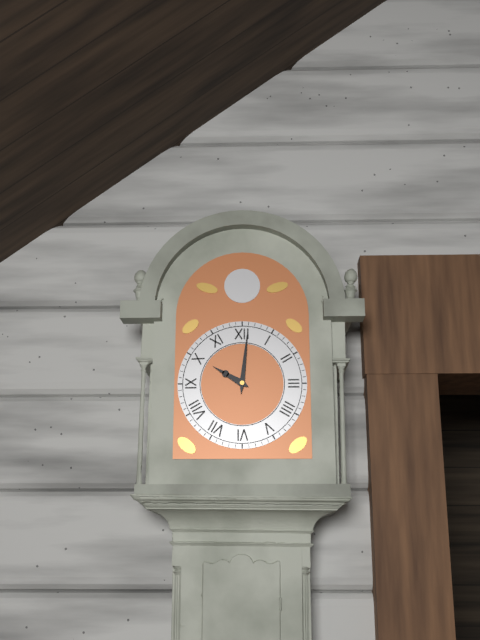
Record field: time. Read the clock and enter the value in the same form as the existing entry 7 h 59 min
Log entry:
10 h 01 min
